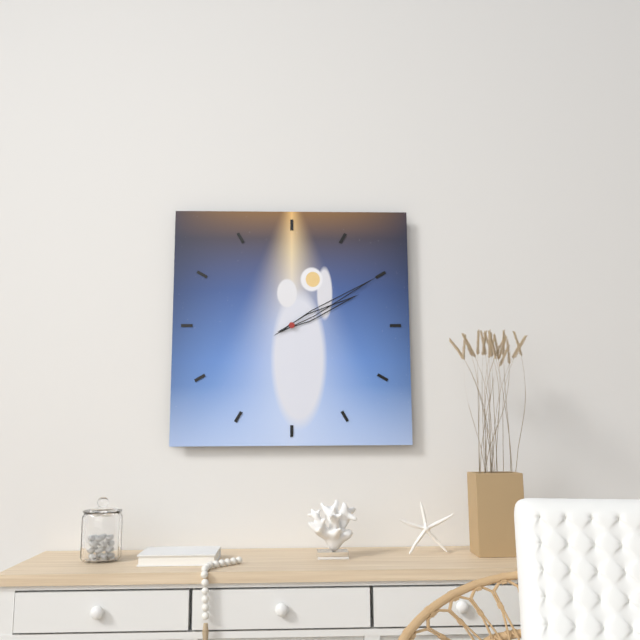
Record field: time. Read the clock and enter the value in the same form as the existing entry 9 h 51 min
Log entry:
2 h 10 min
